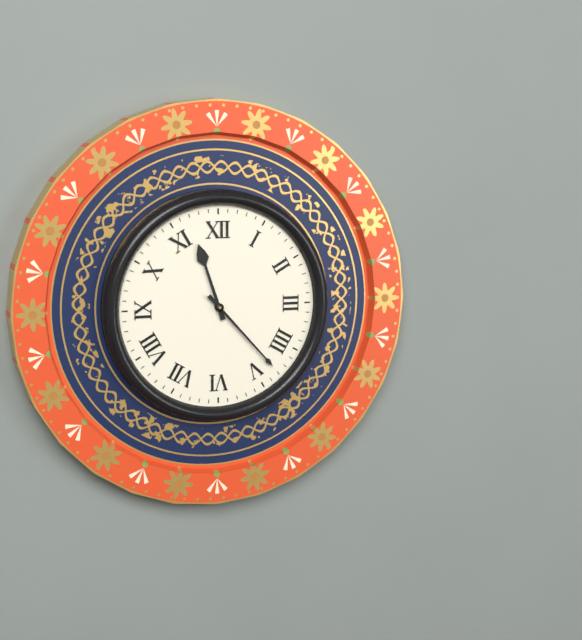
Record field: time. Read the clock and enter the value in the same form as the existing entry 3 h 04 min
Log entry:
11 h 23 min
